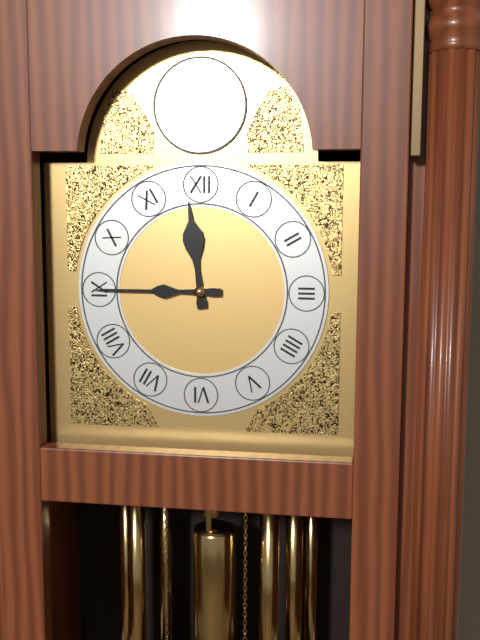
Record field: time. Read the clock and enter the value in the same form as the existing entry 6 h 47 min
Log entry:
11 h 45 min
